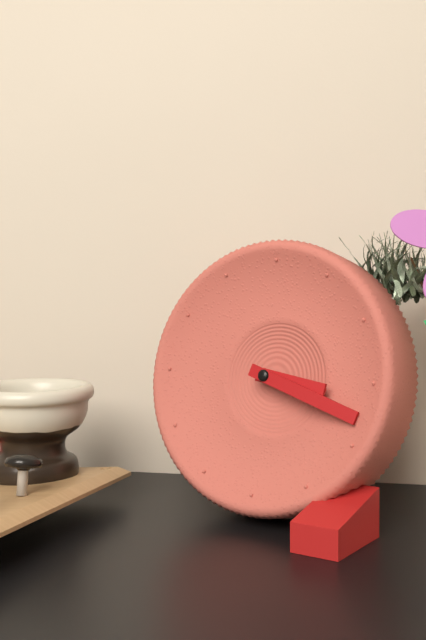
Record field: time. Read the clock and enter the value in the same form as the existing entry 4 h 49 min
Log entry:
3 h 18 min
